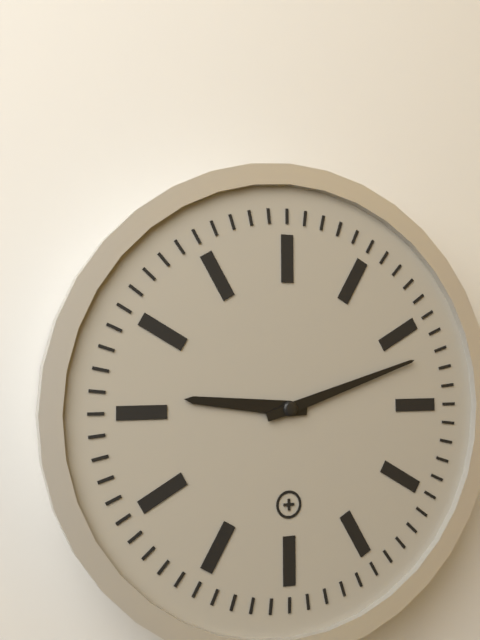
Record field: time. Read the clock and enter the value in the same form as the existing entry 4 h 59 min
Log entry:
9 h 12 min
